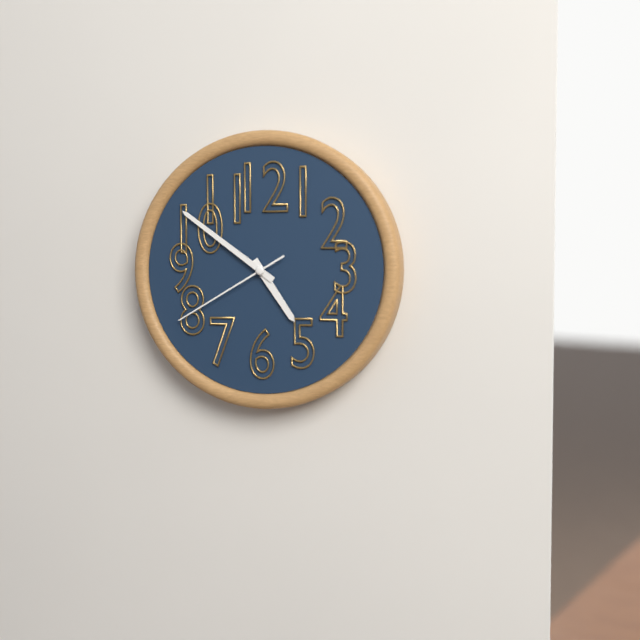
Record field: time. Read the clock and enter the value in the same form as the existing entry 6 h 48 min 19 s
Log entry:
4 h 51 min 40 s
